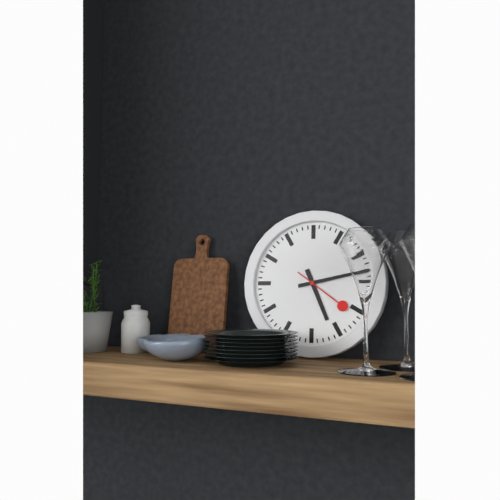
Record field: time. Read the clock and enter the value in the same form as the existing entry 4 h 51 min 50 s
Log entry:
5 h 13 min 21 s
